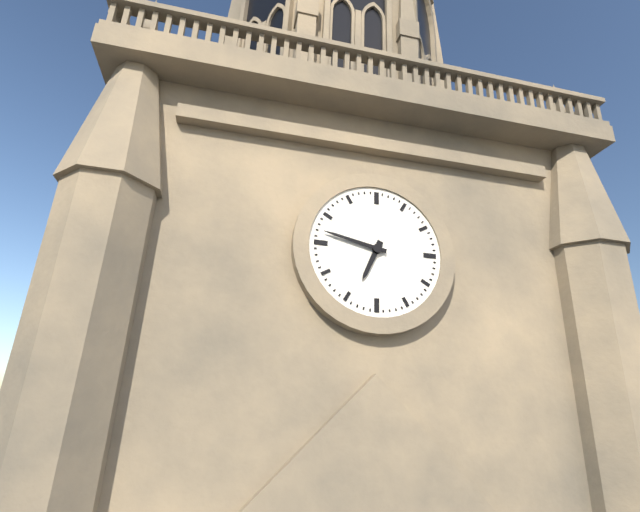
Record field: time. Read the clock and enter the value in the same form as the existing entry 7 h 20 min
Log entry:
6 h 47 min
